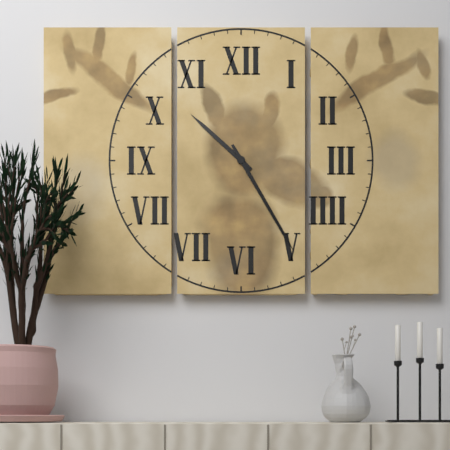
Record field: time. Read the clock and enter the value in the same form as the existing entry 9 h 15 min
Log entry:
10 h 25 min
